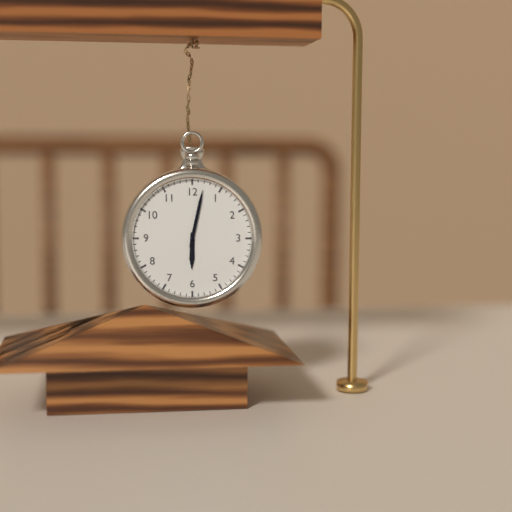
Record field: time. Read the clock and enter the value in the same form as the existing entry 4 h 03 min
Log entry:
6 h 02 min
